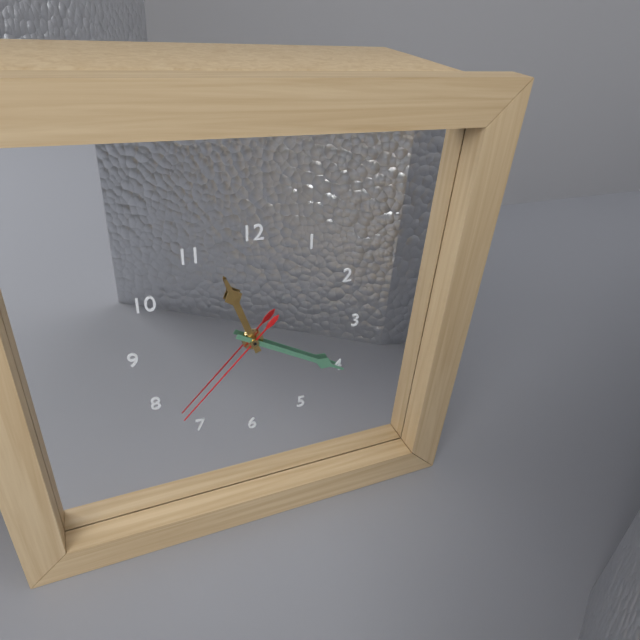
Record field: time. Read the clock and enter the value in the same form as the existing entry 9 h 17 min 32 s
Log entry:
11 h 20 min 37 s
